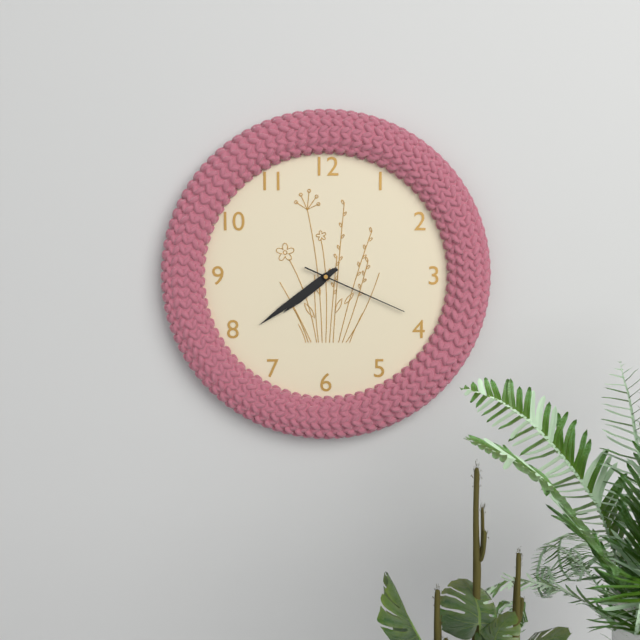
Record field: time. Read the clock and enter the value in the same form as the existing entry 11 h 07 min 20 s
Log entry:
7 h 39 min 19 s
